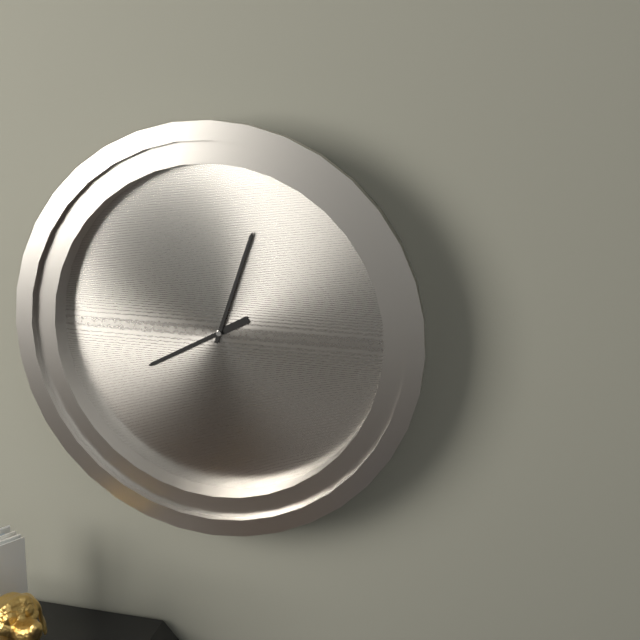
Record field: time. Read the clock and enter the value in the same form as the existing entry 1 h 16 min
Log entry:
8 h 03 min
